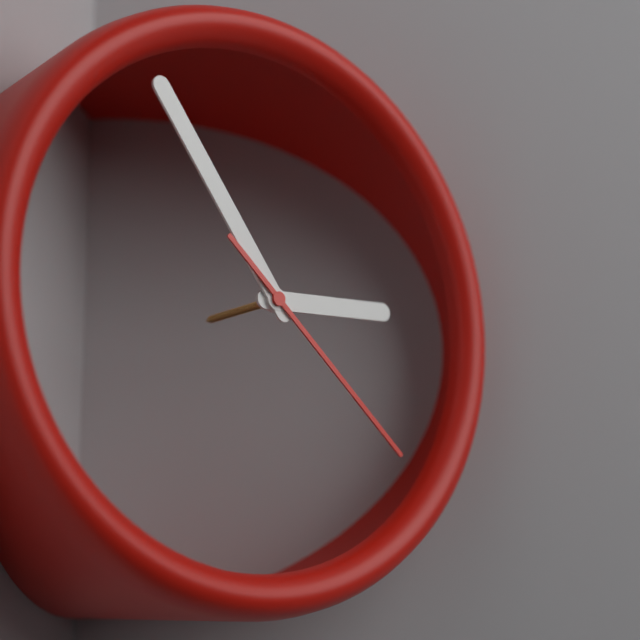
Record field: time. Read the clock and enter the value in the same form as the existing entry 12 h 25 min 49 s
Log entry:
2 h 54 min 22 s
